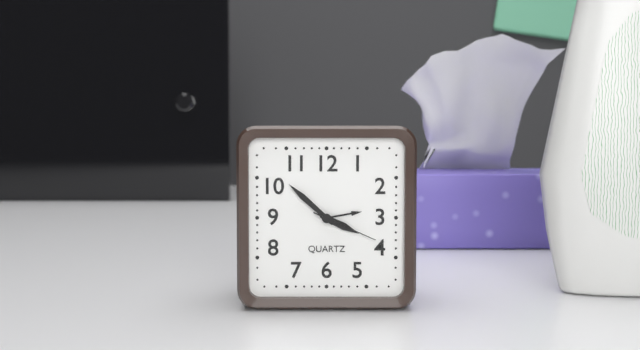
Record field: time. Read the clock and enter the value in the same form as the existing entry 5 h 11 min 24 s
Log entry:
3 h 52 min 19 s
